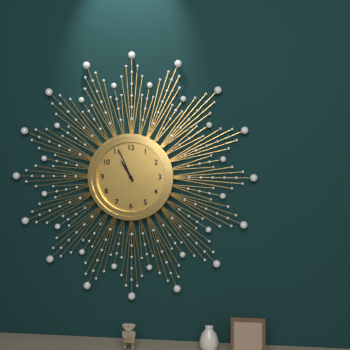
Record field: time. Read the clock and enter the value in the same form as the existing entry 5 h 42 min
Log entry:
10 h 56 min
